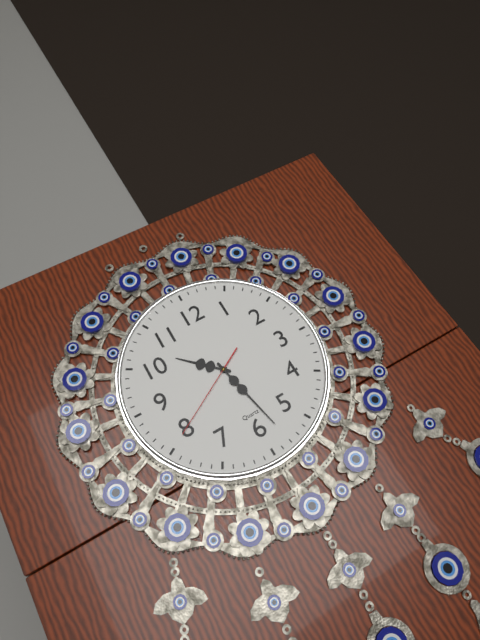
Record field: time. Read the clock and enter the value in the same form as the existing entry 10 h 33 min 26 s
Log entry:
10 h 28 min 40 s
